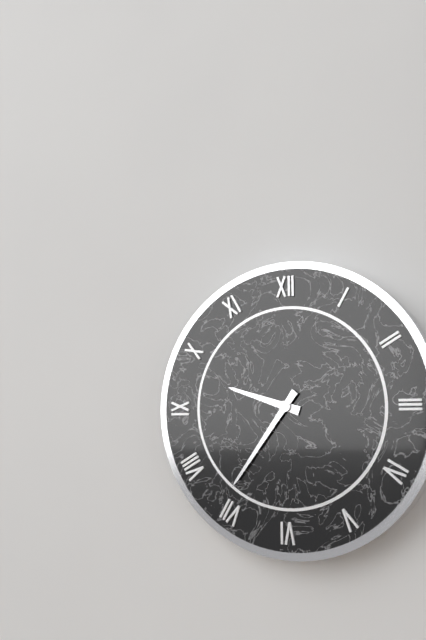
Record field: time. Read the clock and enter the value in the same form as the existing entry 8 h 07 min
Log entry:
9 h 36 min
